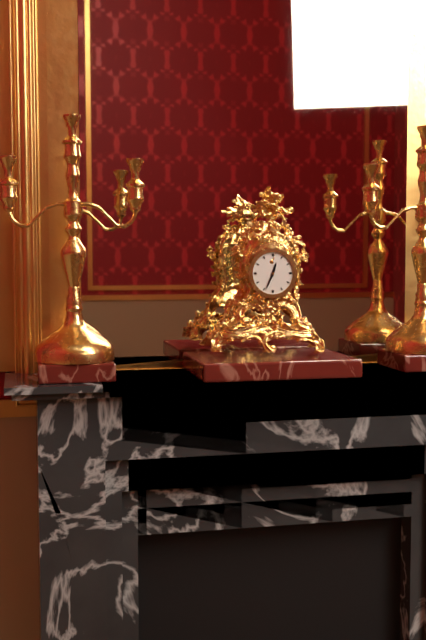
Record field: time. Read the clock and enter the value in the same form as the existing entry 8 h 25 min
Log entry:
12 h 34 min
